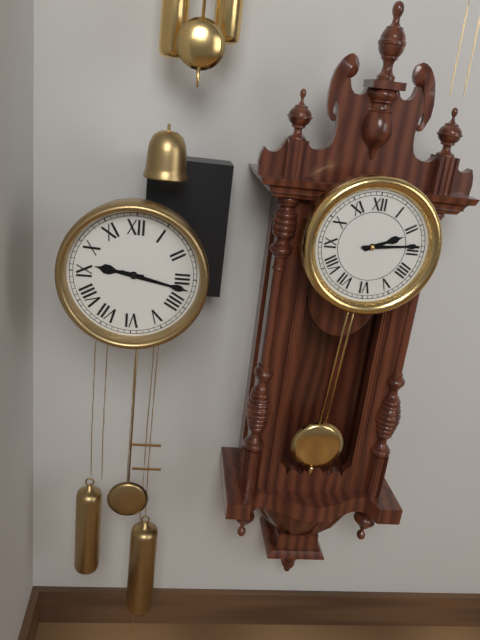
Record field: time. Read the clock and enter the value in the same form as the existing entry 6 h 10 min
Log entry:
9 h 17 min
